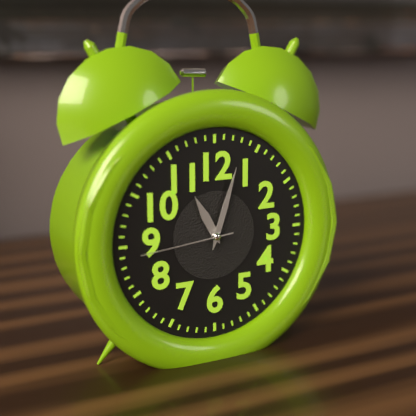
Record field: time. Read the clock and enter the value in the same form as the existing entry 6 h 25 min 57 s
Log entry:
11 h 03 min 44 s
